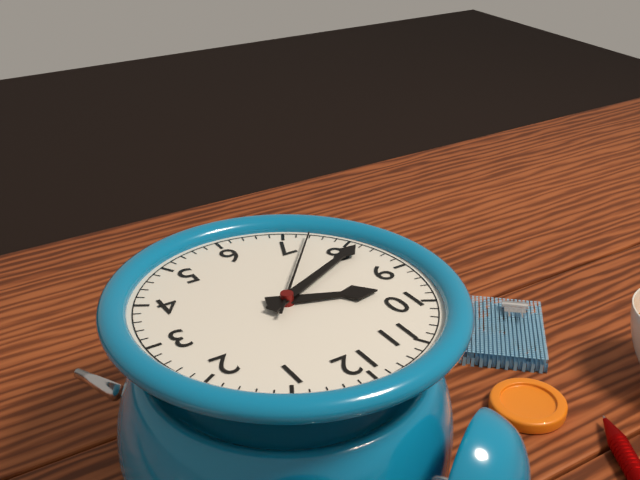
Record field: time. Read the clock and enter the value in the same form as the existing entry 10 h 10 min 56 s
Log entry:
9 h 41 min 37 s
